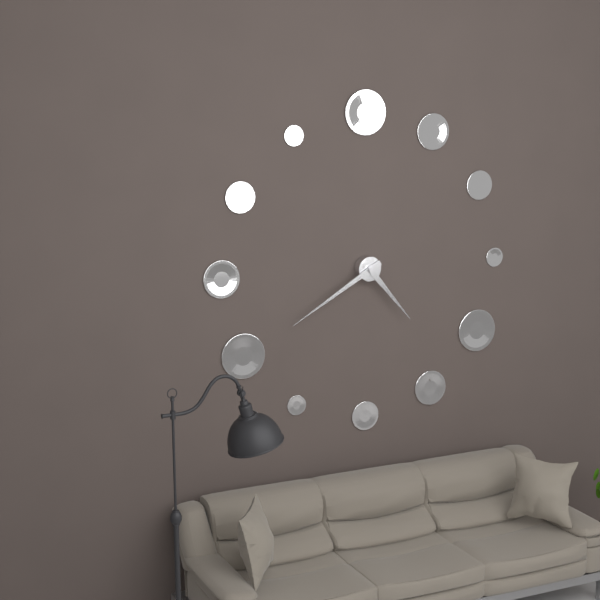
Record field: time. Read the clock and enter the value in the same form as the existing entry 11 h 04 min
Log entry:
4 h 40 min
